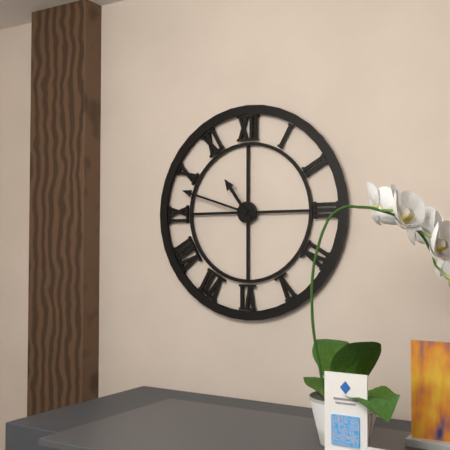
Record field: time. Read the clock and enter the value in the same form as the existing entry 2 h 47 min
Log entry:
10 h 48 min
